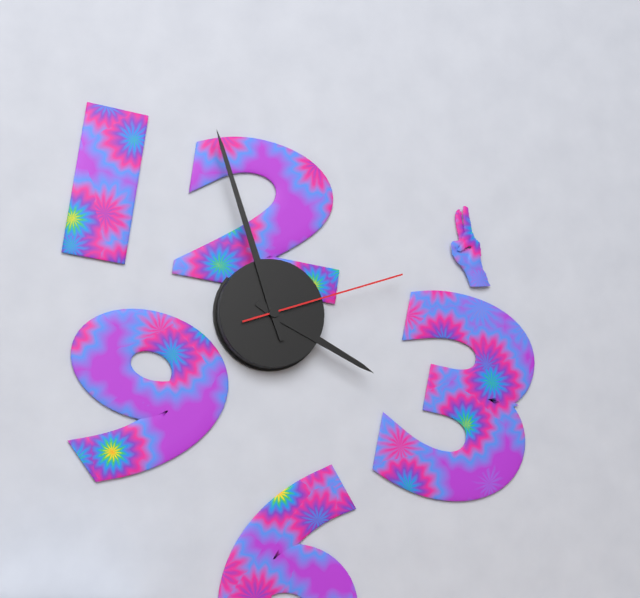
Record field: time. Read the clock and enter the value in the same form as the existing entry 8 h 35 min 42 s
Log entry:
3 h 57 min 12 s
